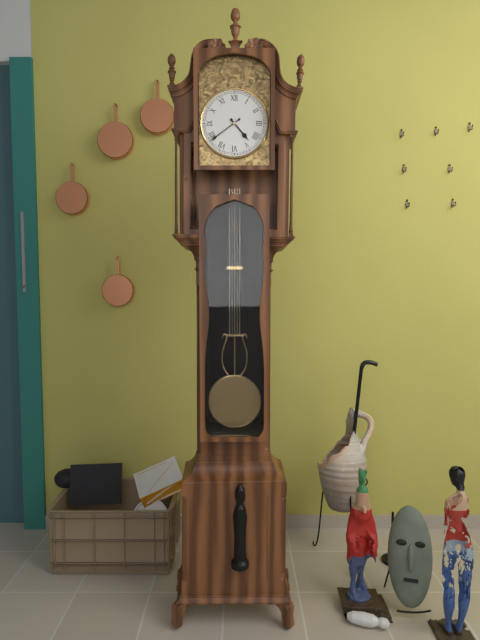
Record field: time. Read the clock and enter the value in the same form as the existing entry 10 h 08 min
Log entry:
4 h 39 min
